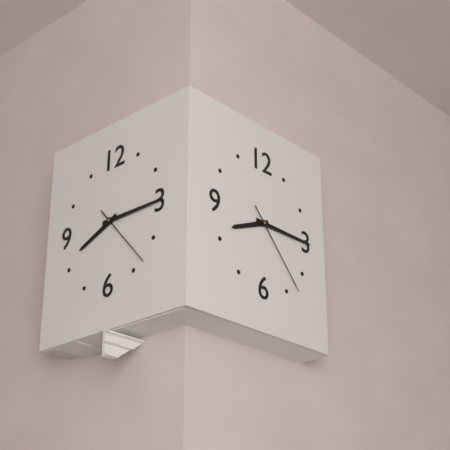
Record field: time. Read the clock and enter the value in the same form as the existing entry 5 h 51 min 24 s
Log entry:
8 h 15 min 23 s
